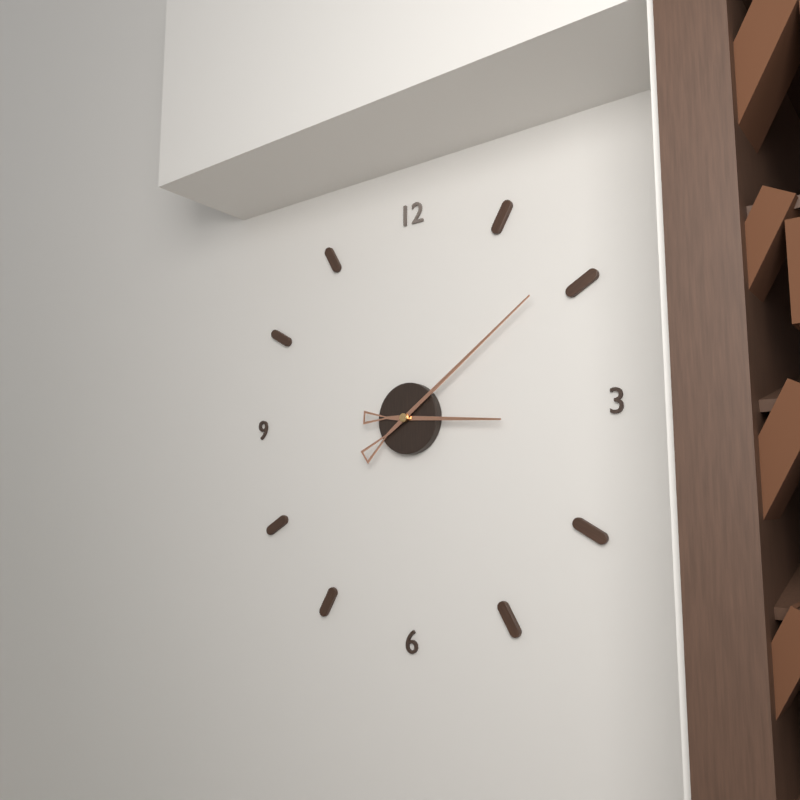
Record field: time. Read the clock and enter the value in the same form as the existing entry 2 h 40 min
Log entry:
3 h 09 min
